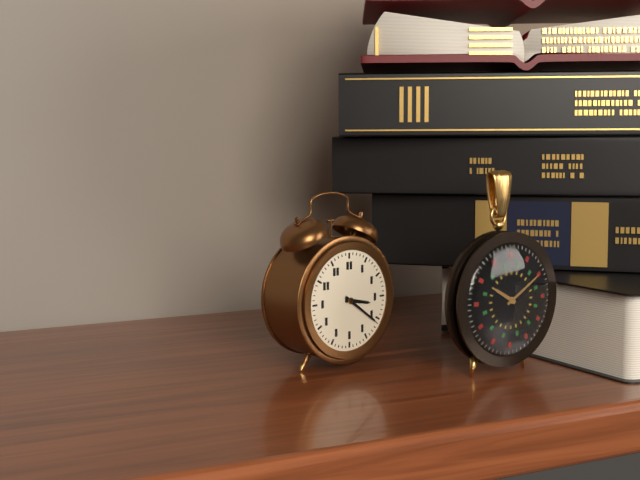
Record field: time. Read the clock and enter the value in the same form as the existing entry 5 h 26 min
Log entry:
3 h 21 min
